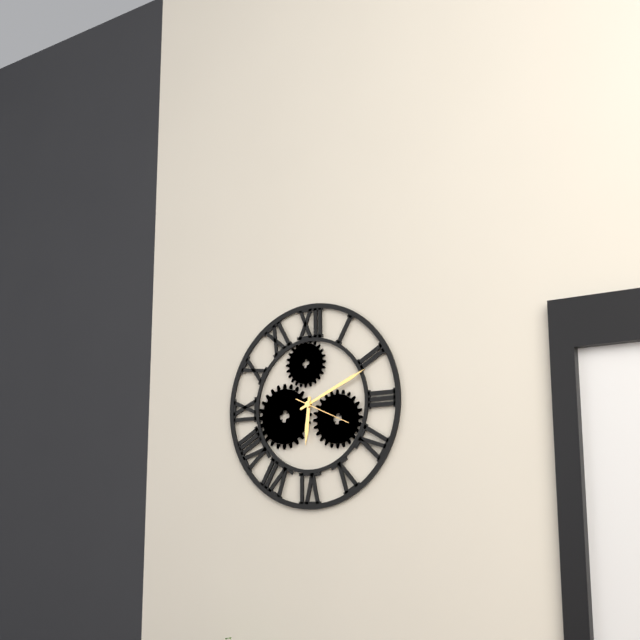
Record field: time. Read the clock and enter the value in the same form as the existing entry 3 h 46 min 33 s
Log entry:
6 h 11 min 19 s
